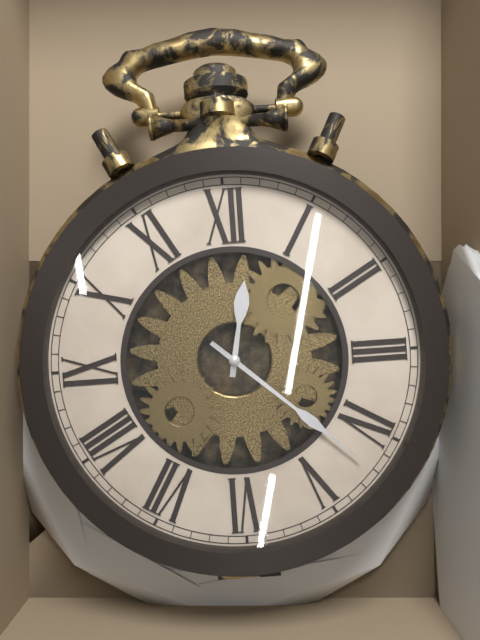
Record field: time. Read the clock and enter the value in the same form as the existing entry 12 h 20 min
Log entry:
12 h 22 min
